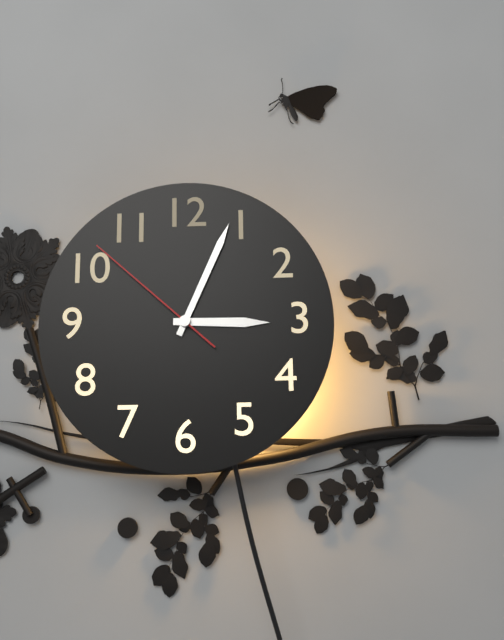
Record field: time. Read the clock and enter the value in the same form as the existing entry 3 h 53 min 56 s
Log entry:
3 h 04 min 52 s
